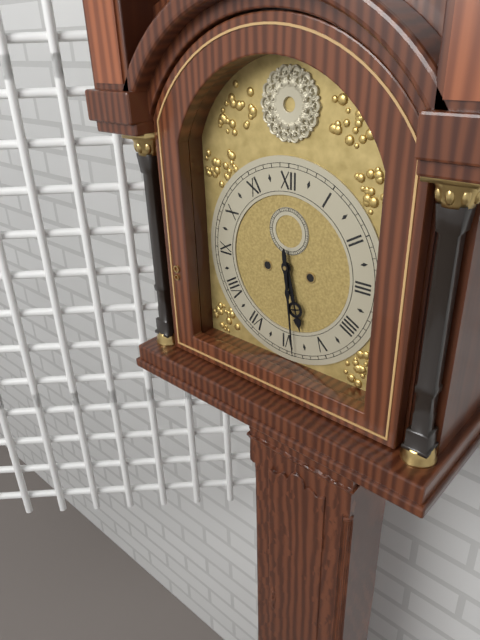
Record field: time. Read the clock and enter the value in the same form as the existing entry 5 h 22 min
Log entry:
5 h 29 min
